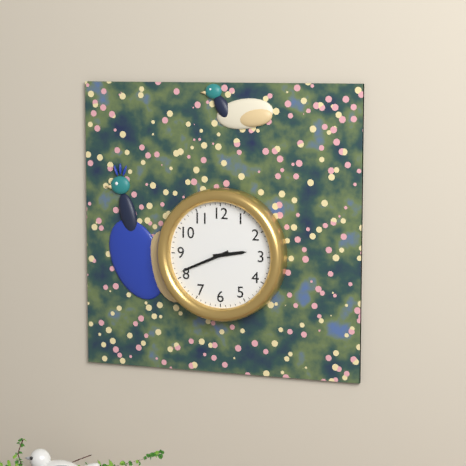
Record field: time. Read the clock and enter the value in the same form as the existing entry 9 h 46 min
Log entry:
2 h 41 min
